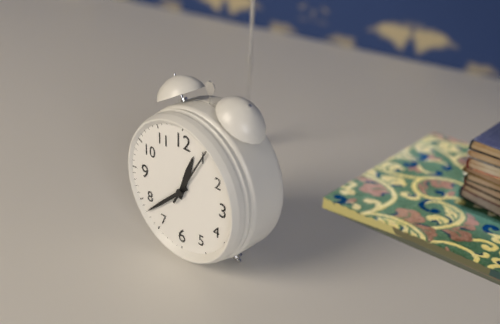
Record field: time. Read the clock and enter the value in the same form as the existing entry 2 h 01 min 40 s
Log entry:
12 h 38 min 05 s
